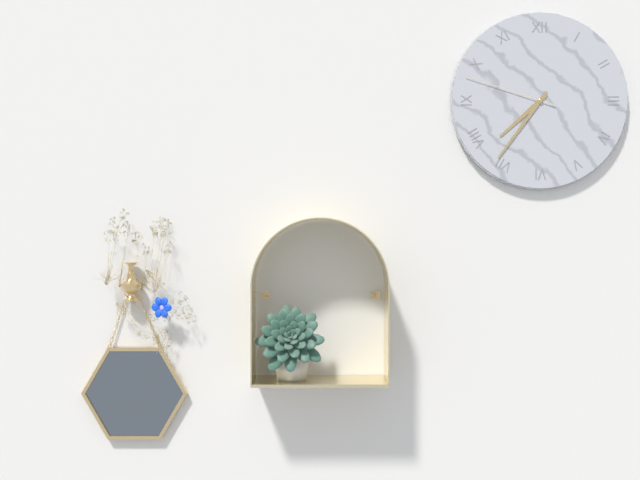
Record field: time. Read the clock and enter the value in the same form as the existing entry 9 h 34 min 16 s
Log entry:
7 h 36 min 48 s
